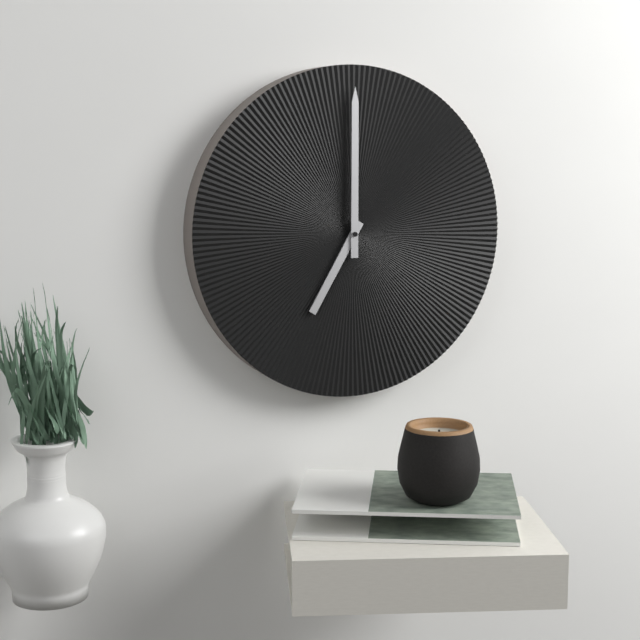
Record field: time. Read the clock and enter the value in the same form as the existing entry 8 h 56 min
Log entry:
7 h 00 min
